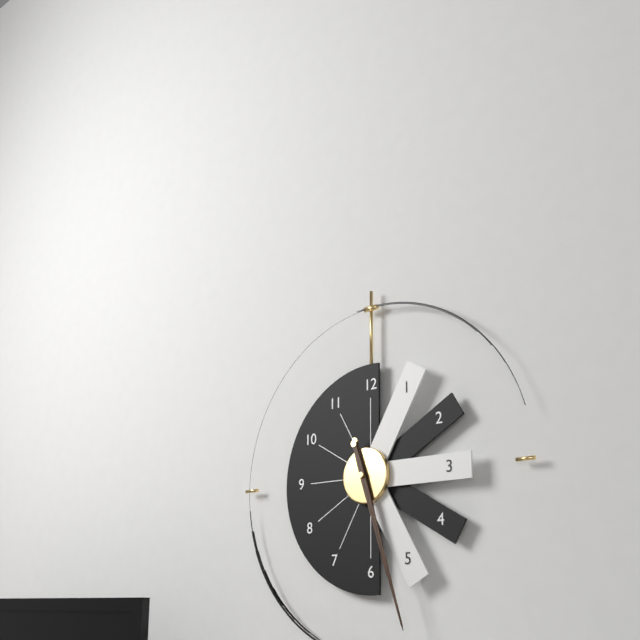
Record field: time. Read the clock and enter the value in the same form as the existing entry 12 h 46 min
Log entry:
5 h 27 min
